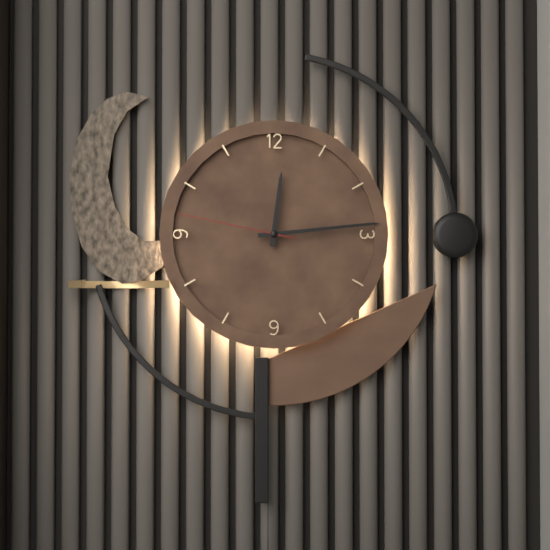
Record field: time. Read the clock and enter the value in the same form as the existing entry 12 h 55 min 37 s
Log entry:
12 h 14 min 47 s
